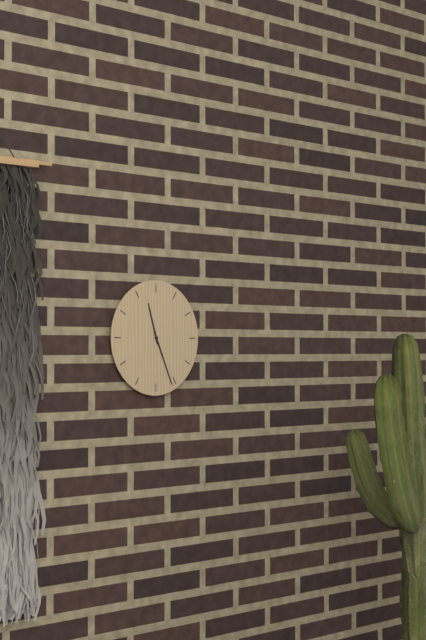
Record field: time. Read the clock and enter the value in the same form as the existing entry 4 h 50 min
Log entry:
11 h 26 min
